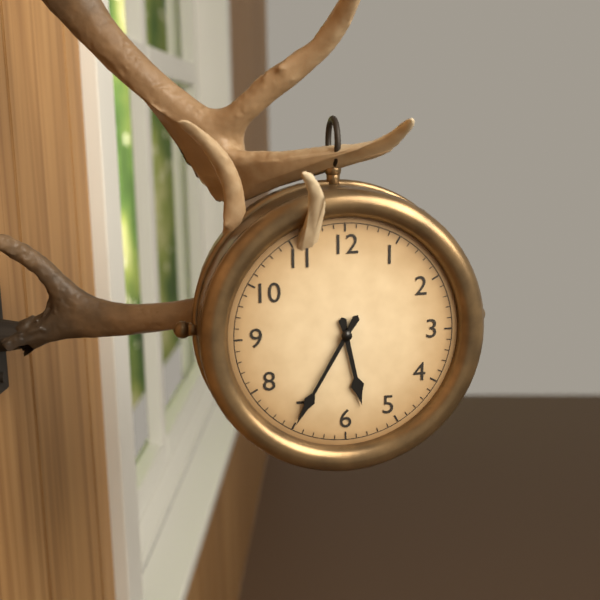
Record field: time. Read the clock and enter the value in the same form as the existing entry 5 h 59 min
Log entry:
5 h 35 min
